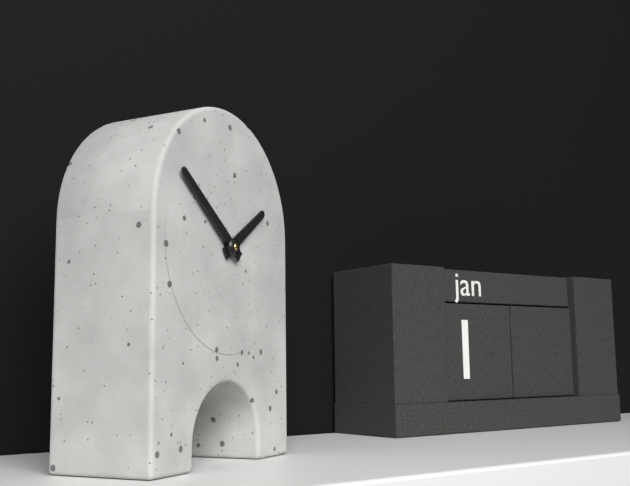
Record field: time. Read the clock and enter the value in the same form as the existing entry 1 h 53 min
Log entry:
1 h 51 min
